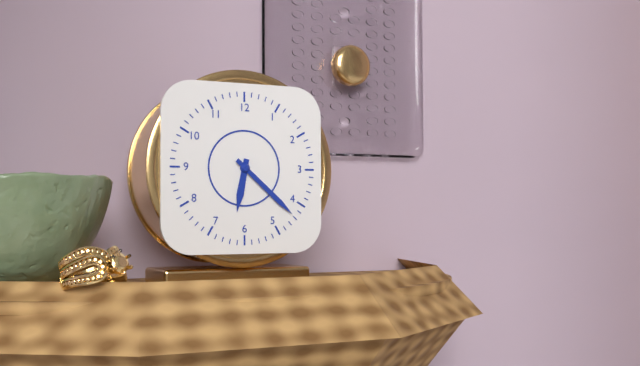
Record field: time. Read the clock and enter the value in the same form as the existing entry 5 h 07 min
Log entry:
6 h 22 min
